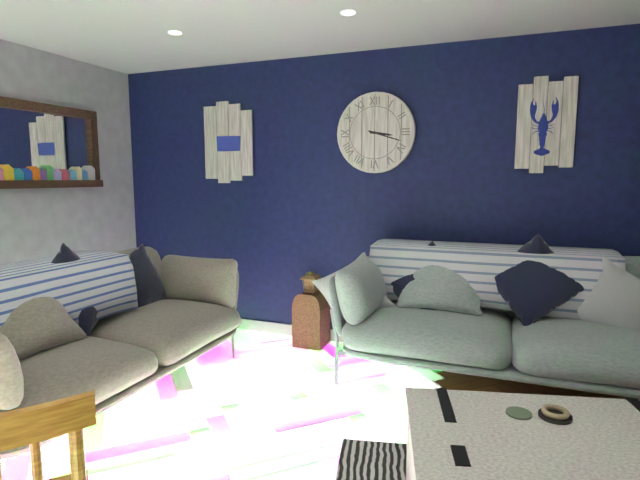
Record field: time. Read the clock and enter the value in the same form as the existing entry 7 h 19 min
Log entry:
3 h 18 min
